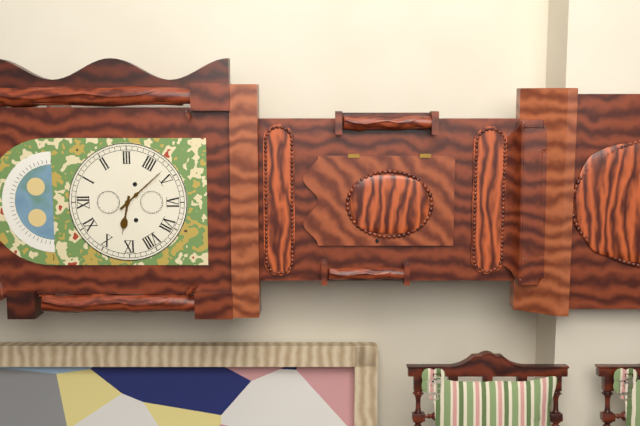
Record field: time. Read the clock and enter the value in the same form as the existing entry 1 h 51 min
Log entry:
9 h 23 min
